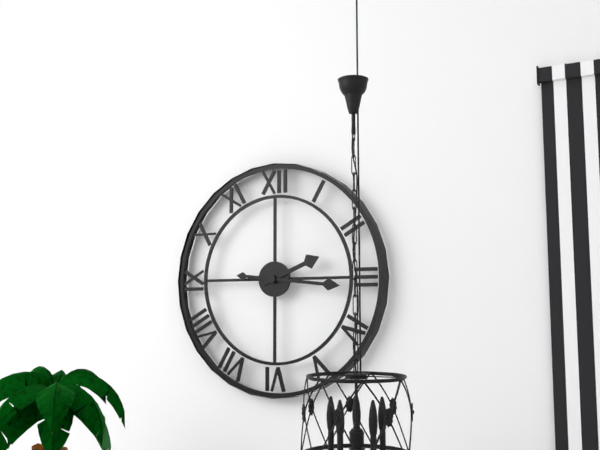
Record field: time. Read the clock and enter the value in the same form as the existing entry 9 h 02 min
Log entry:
2 h 16 min
